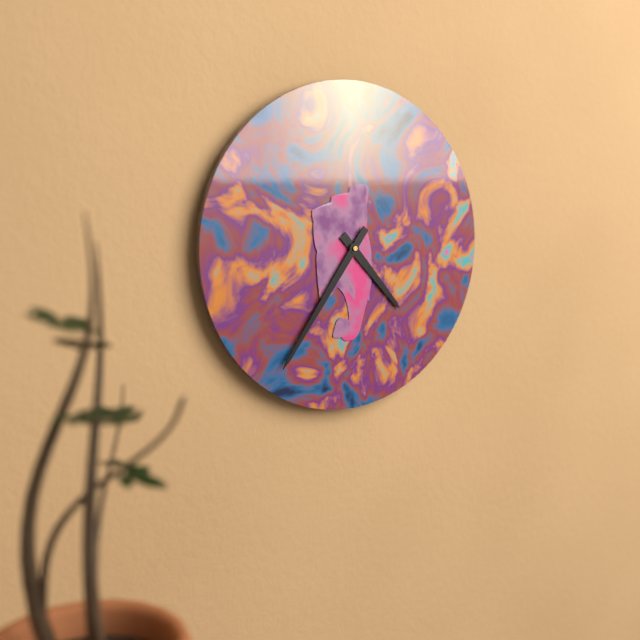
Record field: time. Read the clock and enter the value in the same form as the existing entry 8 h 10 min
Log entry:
4 h 36 min
